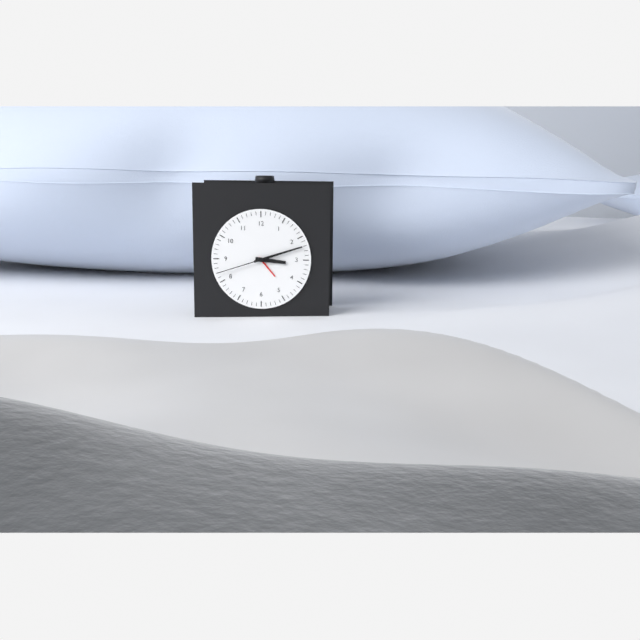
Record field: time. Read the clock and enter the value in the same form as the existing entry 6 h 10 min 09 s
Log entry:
3 h 12 min 42 s
